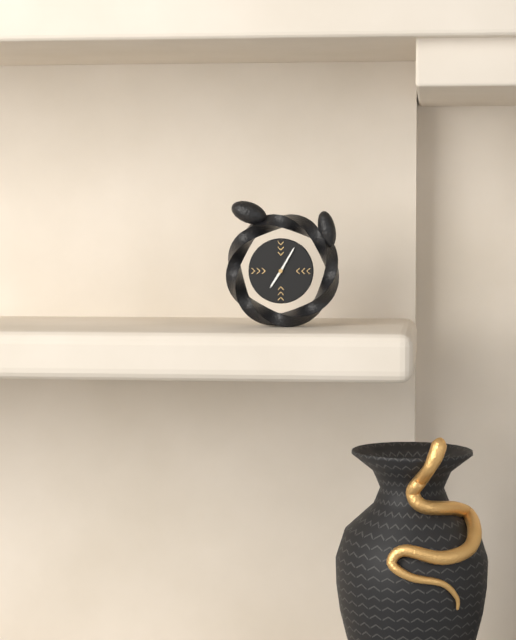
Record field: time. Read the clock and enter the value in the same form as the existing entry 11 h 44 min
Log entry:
7 h 05 min
